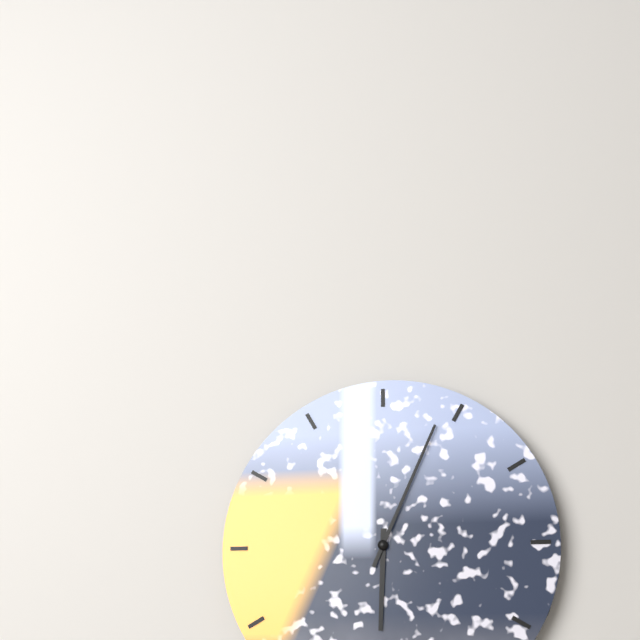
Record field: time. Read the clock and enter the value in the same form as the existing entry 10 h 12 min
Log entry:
6 h 04 min
